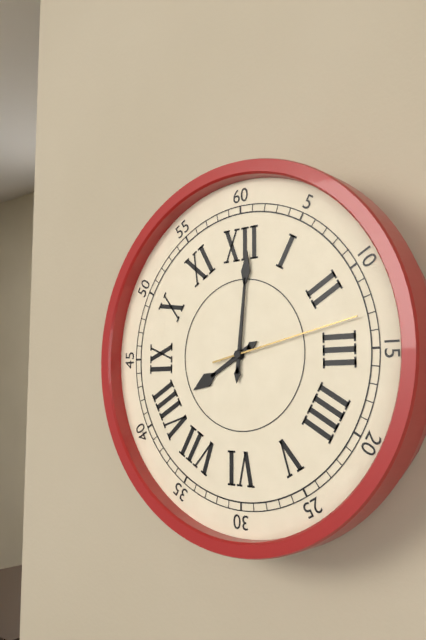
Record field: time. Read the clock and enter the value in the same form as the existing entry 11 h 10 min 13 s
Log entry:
8 h 01 min 13 s
